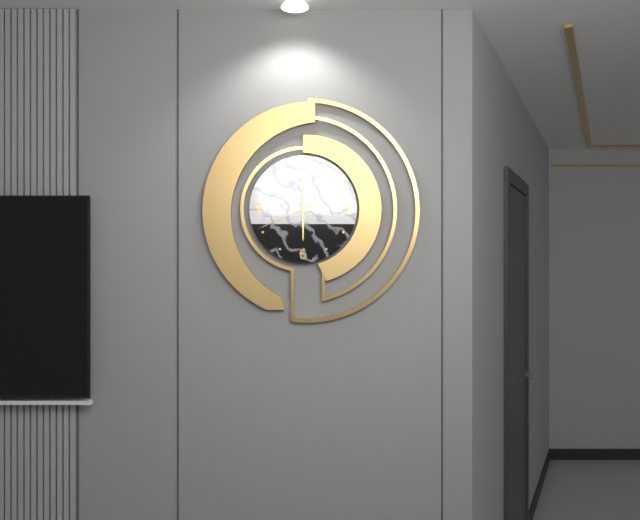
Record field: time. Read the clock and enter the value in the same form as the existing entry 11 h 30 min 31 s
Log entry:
6 h 00 min 41 s
